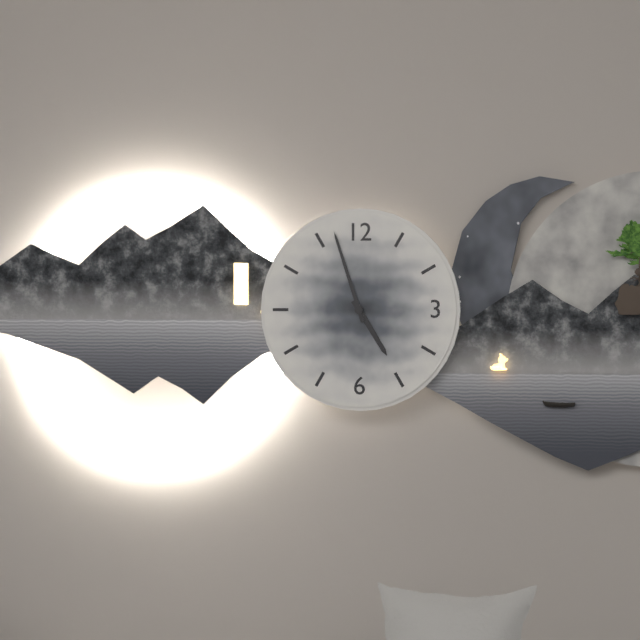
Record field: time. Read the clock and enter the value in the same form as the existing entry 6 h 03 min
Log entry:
4 h 57 min
